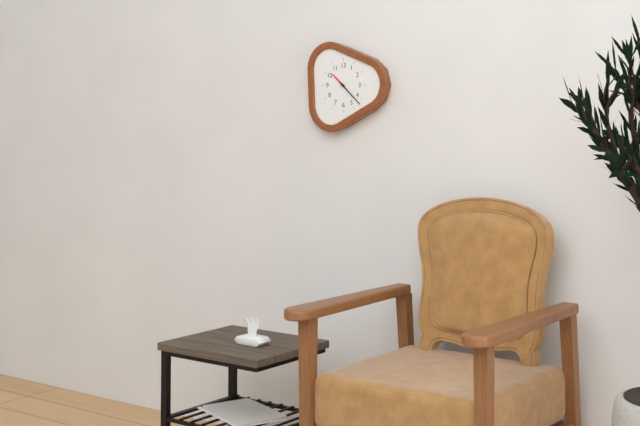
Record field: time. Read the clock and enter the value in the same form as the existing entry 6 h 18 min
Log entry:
10 h 22 min
